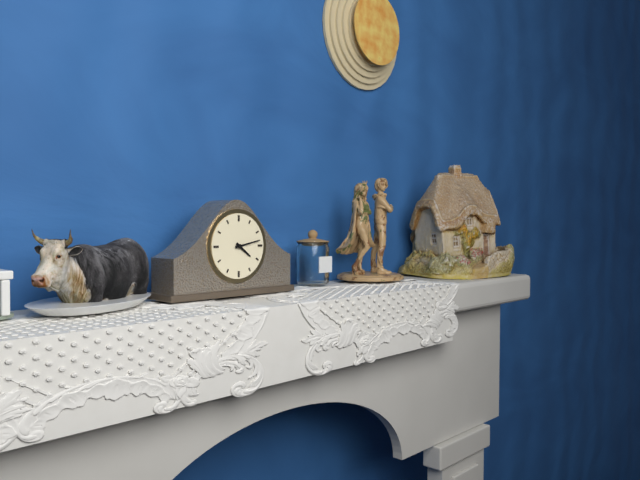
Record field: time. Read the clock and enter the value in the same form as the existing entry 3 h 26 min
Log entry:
4 h 13 min
